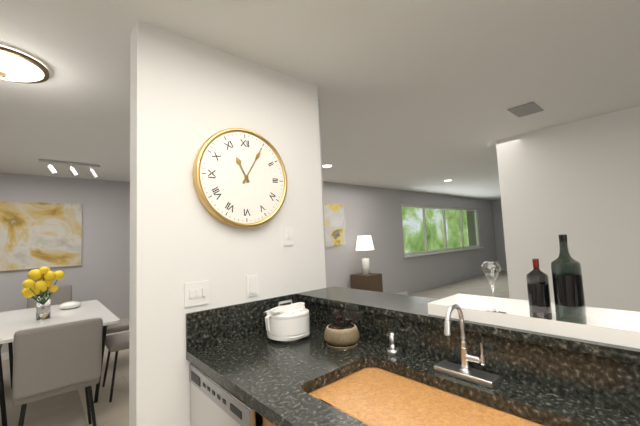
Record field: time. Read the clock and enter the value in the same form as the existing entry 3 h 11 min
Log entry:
11 h 05 min
